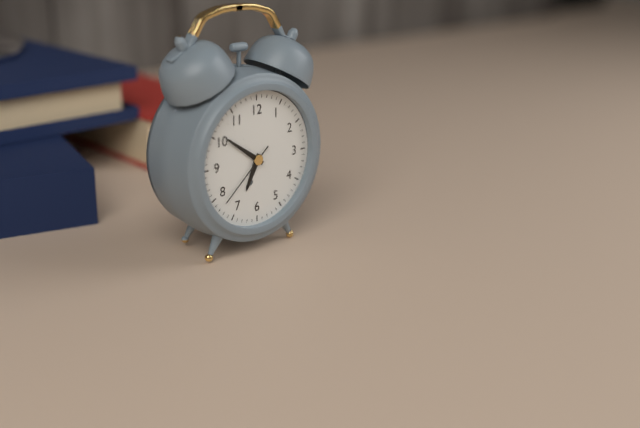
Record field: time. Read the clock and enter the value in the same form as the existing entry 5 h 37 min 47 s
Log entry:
6 h 51 min 38 s
